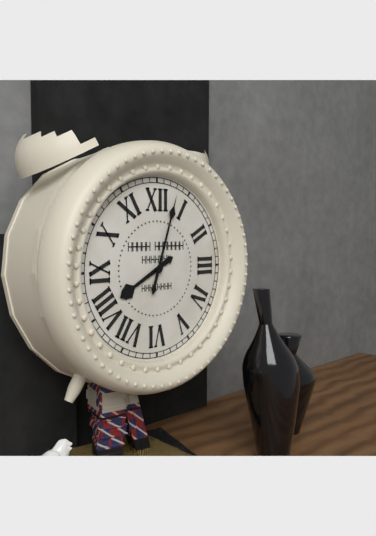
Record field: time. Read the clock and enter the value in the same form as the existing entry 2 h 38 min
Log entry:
8 h 03 min
